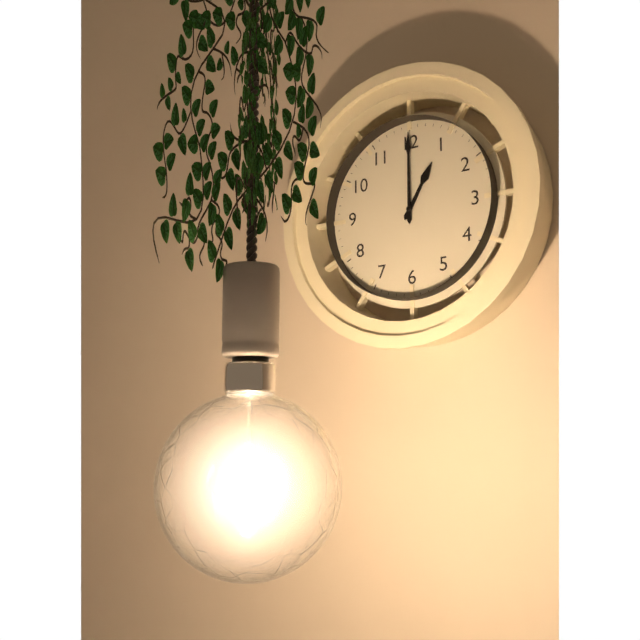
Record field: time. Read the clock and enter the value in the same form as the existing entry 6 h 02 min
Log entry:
1 h 00 min
